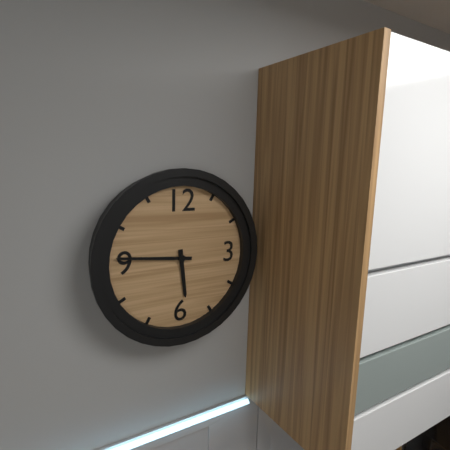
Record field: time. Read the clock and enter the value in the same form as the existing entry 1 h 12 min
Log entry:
5 h 46 min
